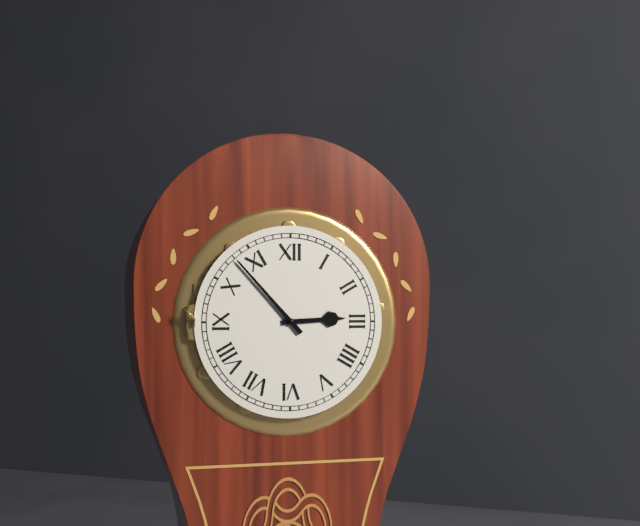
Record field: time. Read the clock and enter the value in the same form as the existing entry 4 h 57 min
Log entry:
2 h 53 min
